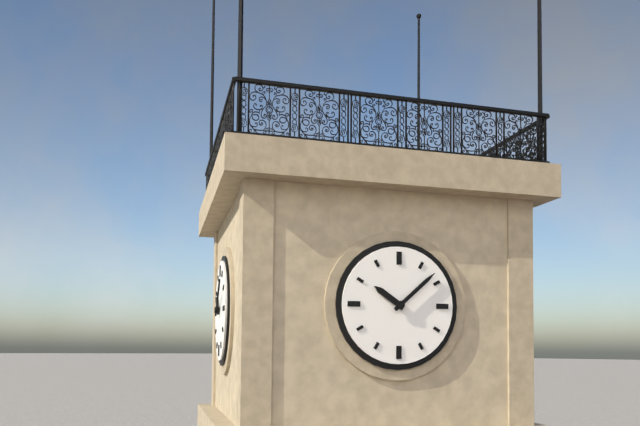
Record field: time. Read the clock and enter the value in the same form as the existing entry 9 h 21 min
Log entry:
10 h 08 min
